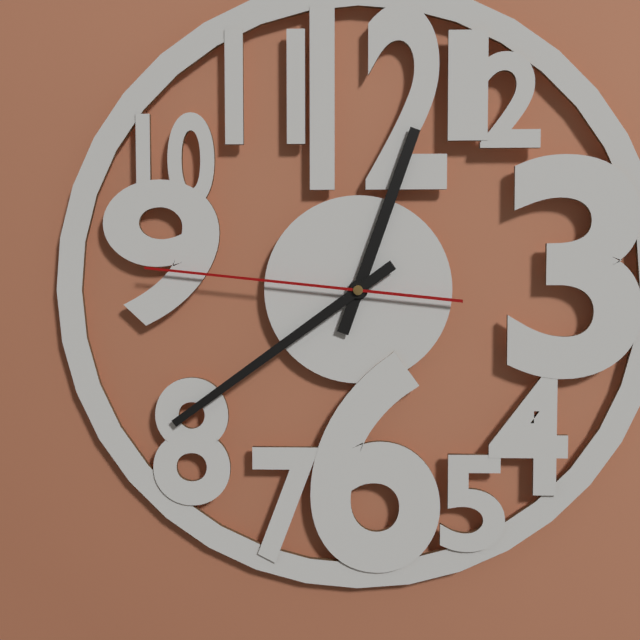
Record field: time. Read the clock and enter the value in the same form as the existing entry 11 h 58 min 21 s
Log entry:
12 h 39 min 46 s
